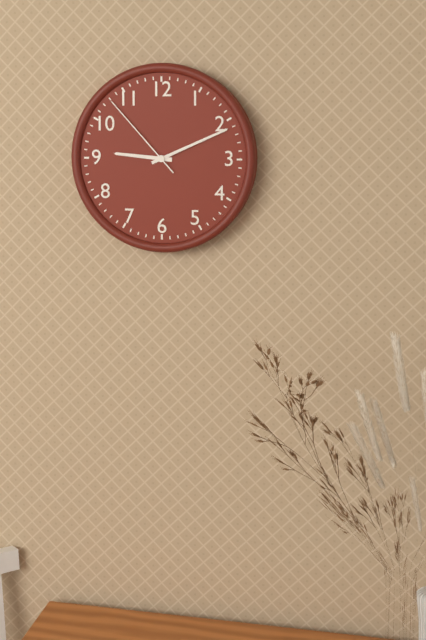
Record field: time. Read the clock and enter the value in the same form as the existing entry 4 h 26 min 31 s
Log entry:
9 h 11 min 53 s
